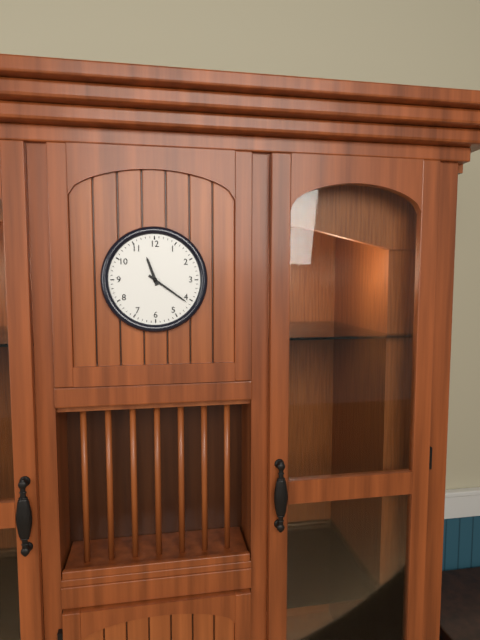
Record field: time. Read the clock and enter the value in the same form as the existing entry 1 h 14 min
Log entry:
11 h 21 min
